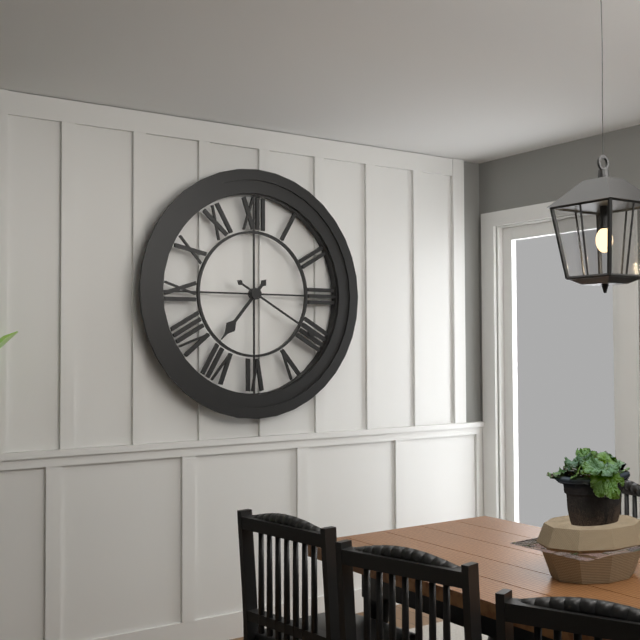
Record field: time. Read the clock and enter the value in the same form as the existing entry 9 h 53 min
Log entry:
7 h 20 min
